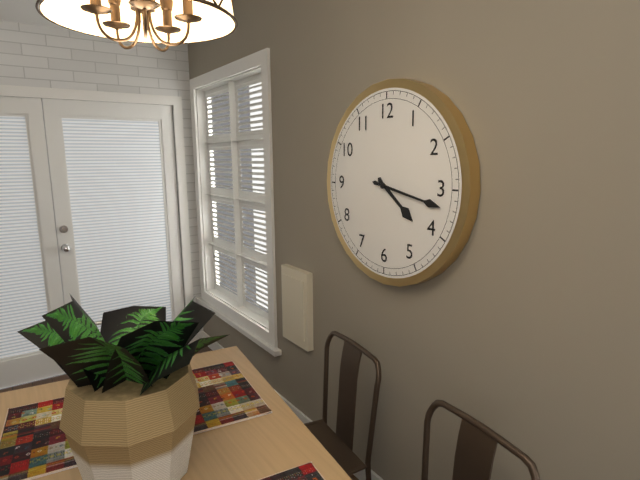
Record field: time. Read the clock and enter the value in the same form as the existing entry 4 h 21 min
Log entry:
4 h 17 min
